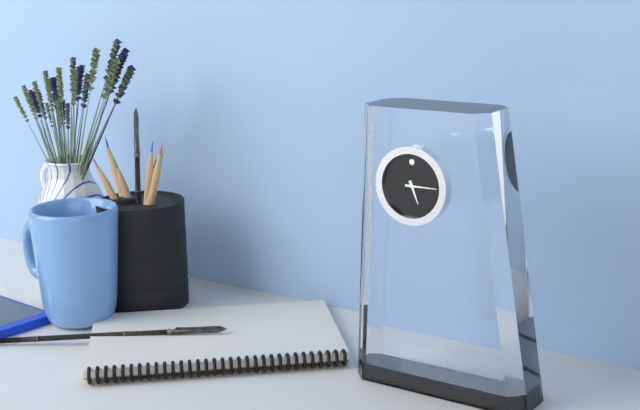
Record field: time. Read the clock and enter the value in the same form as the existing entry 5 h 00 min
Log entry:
5 h 15 min
